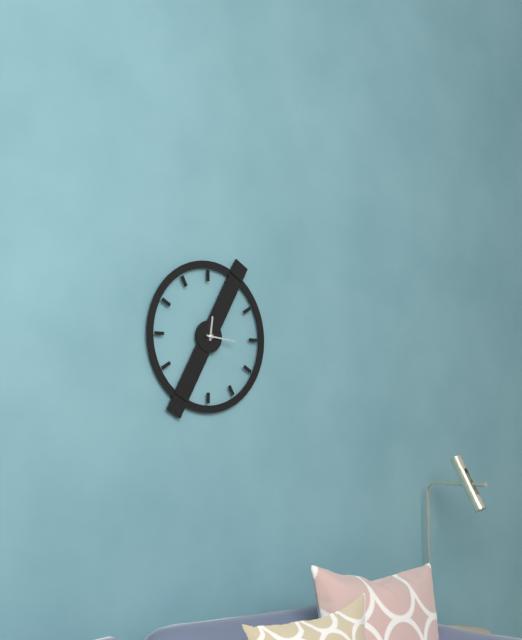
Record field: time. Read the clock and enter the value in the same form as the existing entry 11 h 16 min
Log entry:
12 h 16 min
